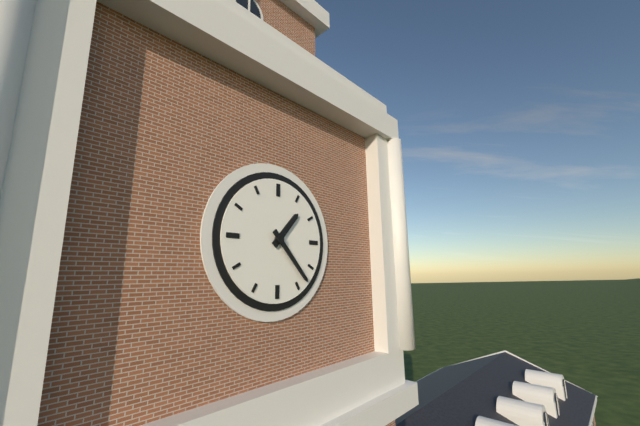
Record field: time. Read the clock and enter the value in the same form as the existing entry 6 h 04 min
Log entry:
1 h 23 min
